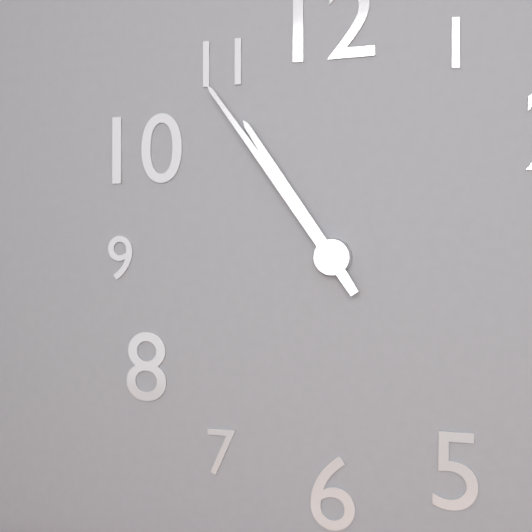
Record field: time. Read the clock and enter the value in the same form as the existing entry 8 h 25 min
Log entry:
10 h 54 min
